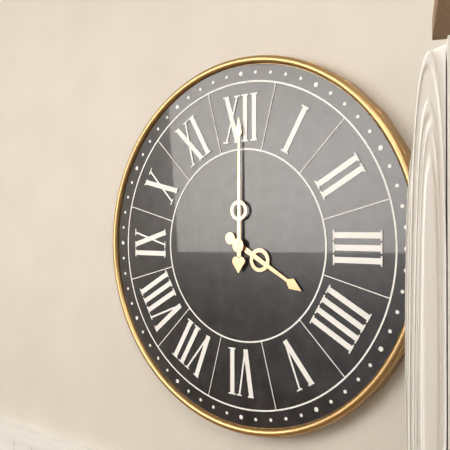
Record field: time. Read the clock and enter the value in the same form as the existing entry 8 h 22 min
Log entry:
4 h 00 min
